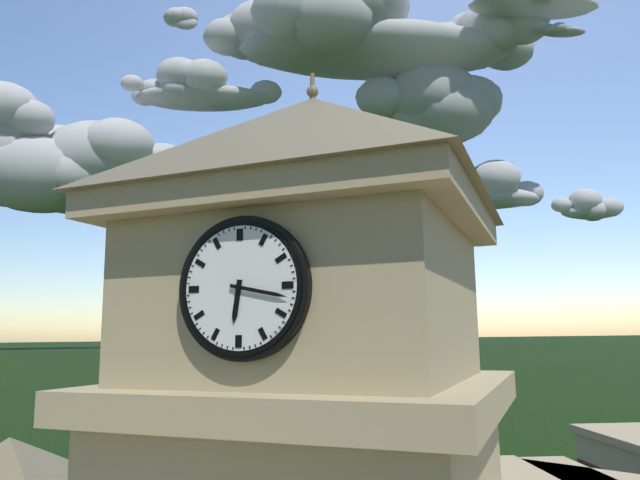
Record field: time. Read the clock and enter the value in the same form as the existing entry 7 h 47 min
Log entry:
6 h 17 min
